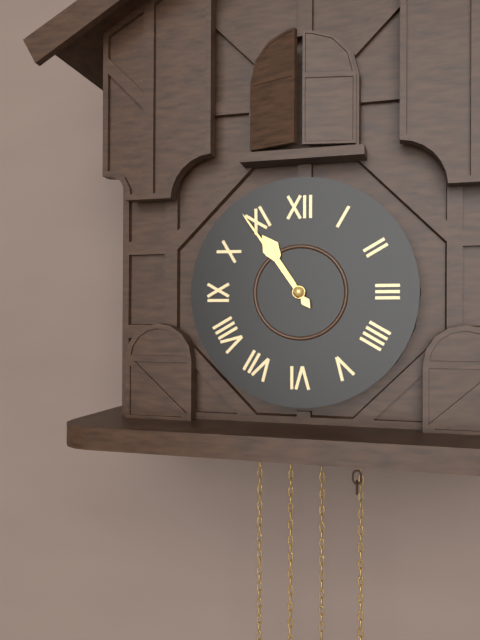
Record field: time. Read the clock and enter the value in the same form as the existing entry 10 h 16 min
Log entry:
10 h 54 min
